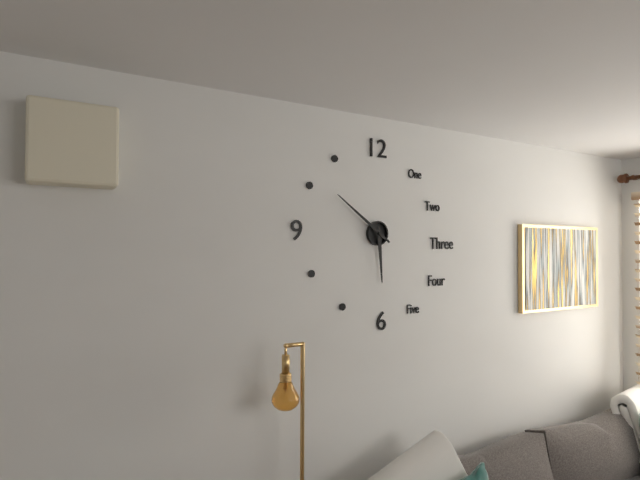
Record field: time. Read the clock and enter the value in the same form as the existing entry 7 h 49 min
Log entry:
5 h 51 min
